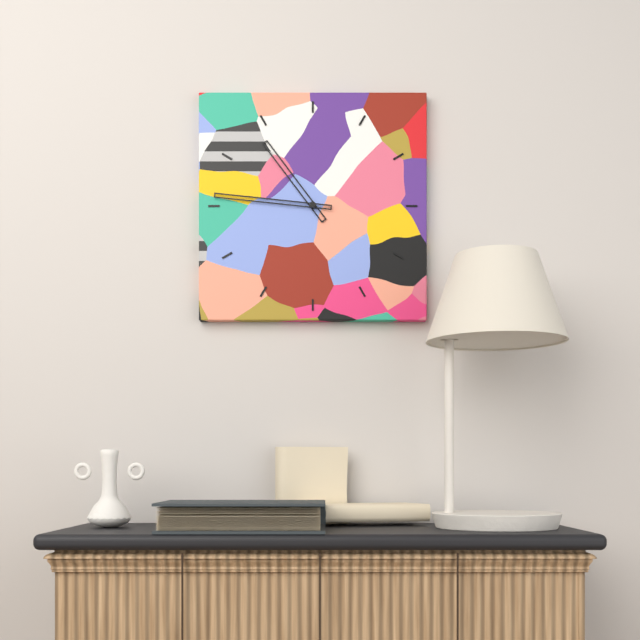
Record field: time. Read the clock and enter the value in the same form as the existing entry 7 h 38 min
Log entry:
10 h 46 min
